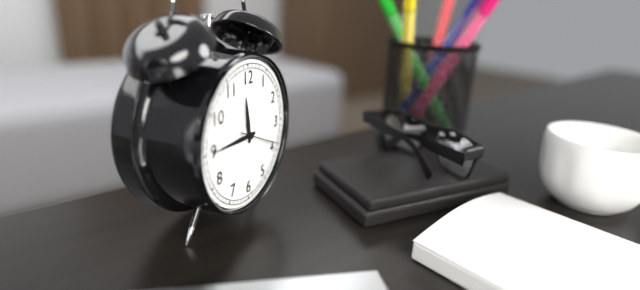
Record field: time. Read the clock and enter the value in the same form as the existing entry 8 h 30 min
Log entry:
11 h 45 min
